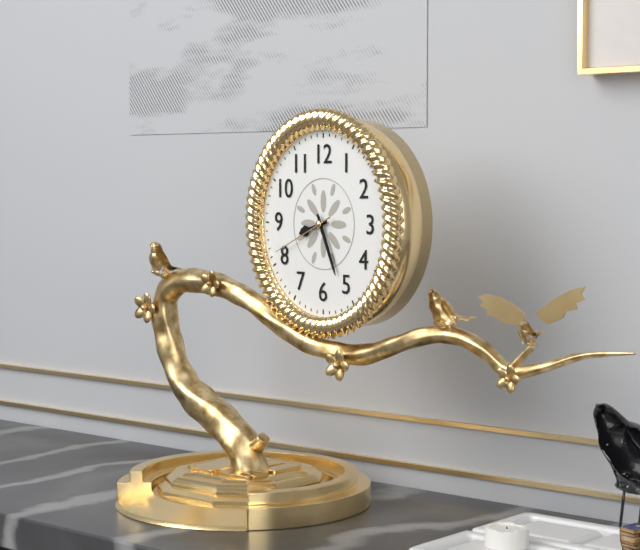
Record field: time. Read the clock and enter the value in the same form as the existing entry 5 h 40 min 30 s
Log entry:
8 h 26 min 41 s
